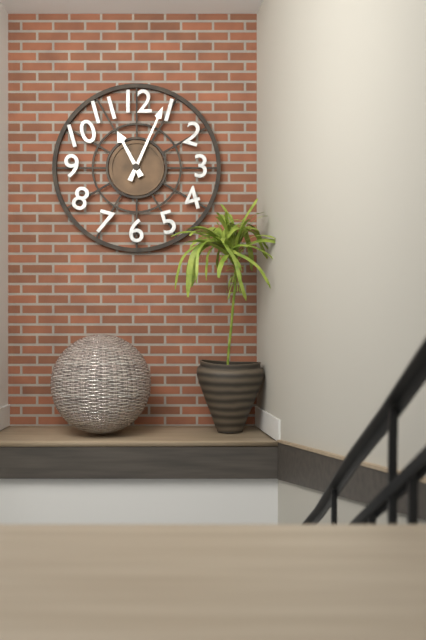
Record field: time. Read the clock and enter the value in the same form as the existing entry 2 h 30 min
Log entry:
11 h 04 min
